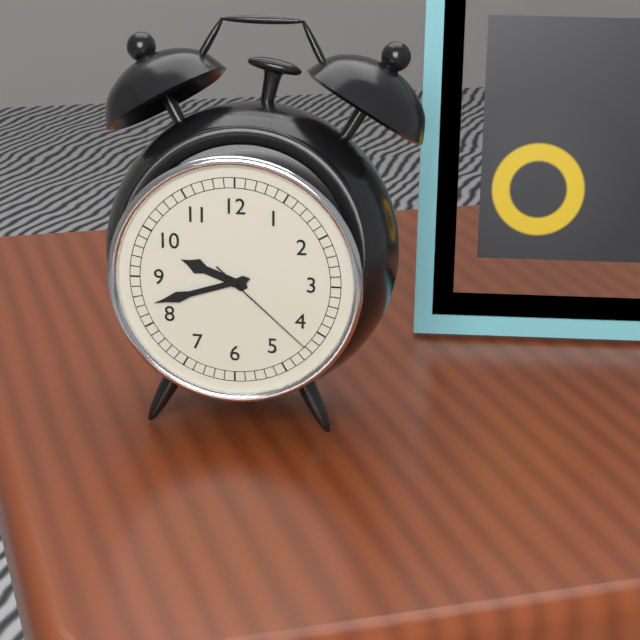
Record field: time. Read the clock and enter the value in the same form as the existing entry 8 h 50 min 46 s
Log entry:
9 h 42 min 22 s
